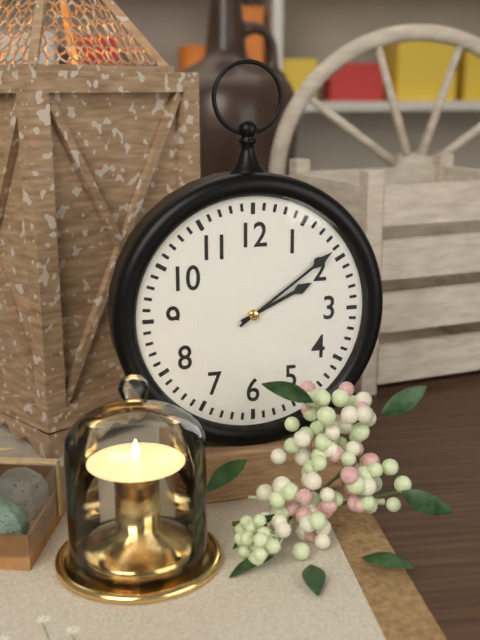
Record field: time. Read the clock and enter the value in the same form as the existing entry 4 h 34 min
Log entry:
2 h 09 min
